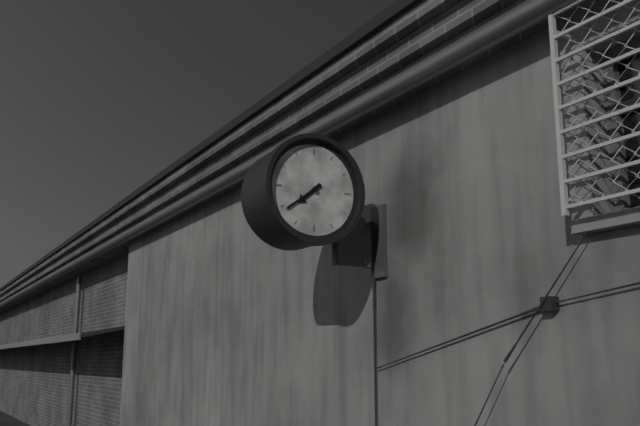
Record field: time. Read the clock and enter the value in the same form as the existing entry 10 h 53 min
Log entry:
7 h 39 min
